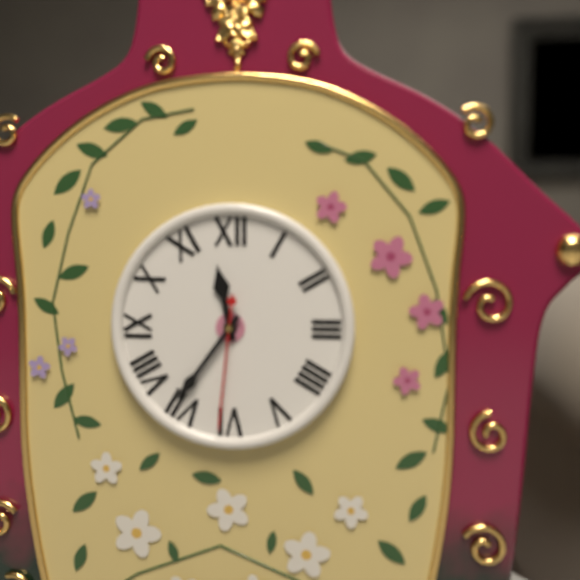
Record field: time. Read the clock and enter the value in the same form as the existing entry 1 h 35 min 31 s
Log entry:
11 h 36 min 31 s
